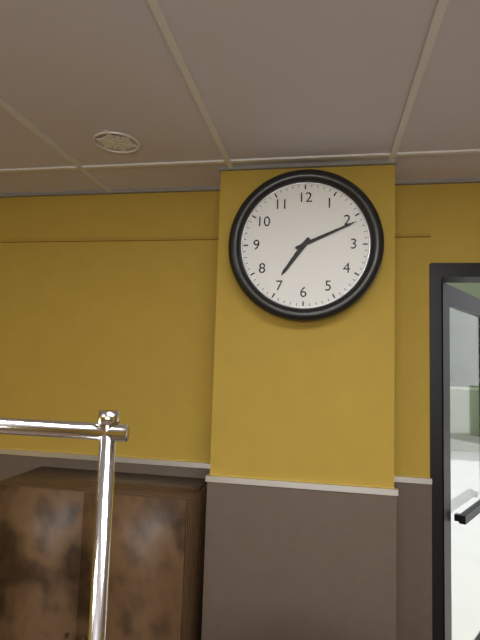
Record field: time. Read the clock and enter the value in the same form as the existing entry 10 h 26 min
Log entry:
7 h 11 min
